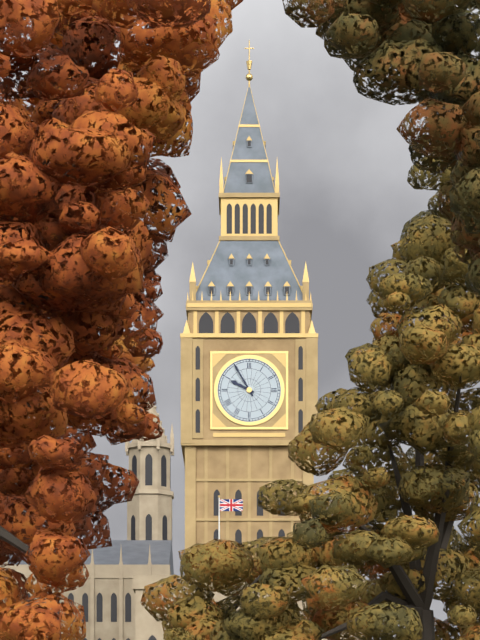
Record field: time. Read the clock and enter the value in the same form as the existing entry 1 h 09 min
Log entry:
9 h 55 min
